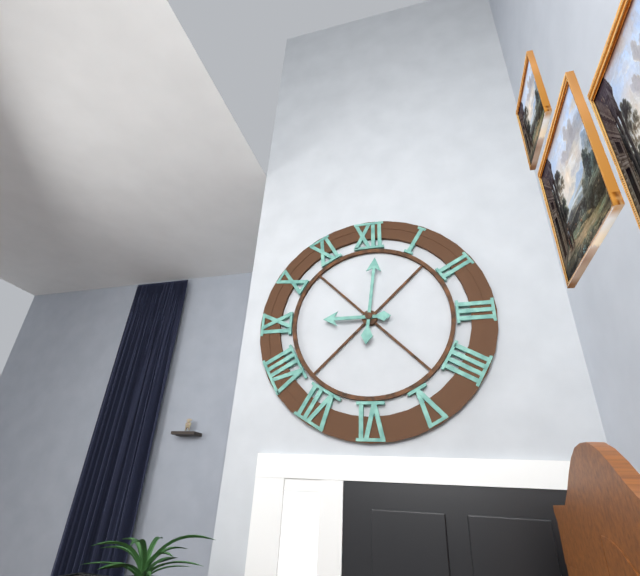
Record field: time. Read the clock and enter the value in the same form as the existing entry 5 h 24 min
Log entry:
9 h 01 min
